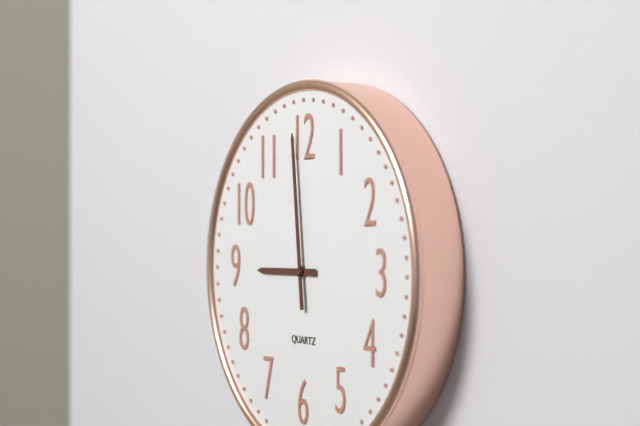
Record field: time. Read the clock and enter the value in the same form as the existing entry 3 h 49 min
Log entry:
8 h 59 min
